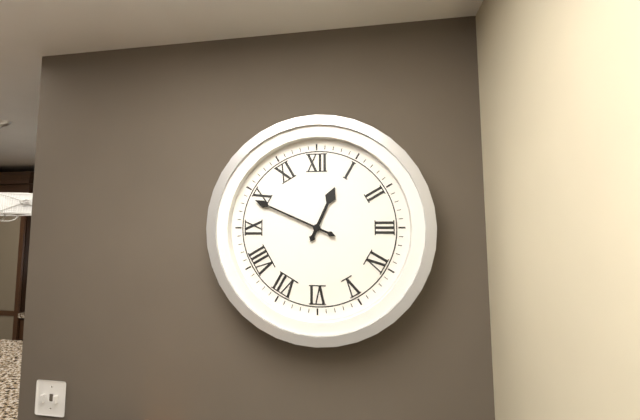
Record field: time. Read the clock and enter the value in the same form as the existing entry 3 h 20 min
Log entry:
12 h 49 min
